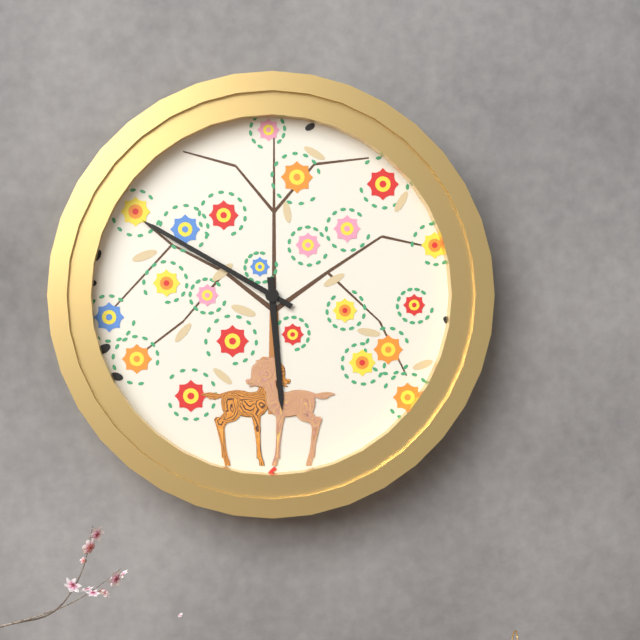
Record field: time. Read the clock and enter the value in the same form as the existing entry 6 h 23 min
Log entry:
5 h 50 min
